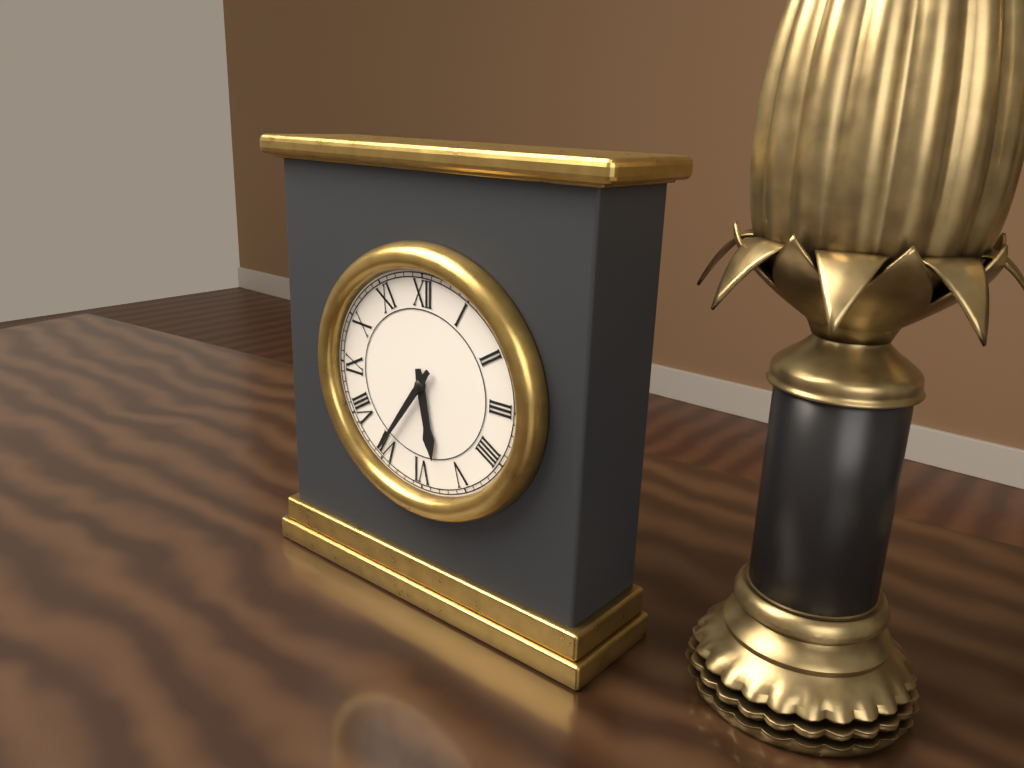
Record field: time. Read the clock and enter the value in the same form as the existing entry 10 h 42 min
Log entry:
5 h 36 min
